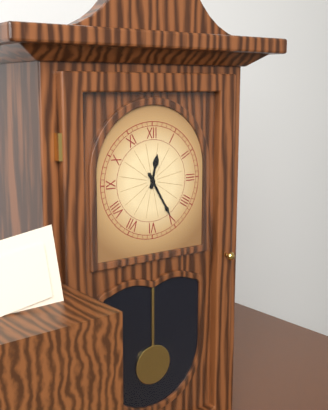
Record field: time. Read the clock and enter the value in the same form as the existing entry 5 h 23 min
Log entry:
12 h 25 min
